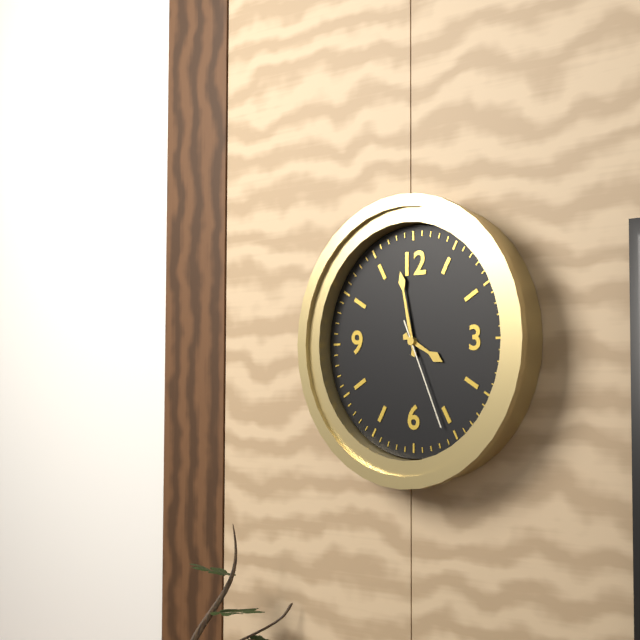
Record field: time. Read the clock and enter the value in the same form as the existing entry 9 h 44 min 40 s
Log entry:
3 h 58 min 26 s
